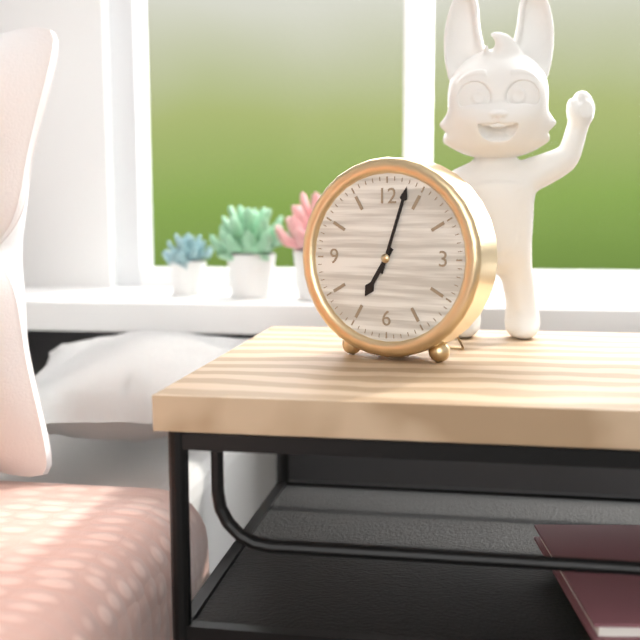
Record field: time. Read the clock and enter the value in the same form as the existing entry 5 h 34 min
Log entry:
7 h 03 min
